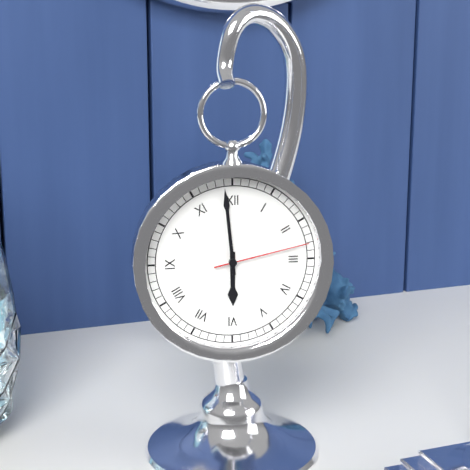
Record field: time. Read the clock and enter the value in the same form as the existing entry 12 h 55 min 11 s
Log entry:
5 h 59 min 13 s
